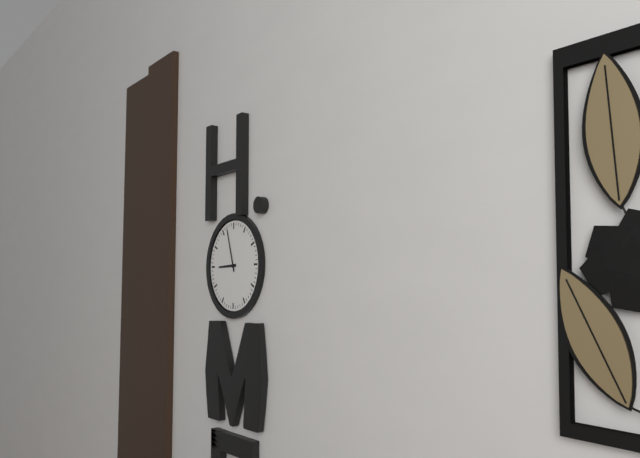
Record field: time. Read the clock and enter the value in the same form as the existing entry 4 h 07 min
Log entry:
8 h 57 min
